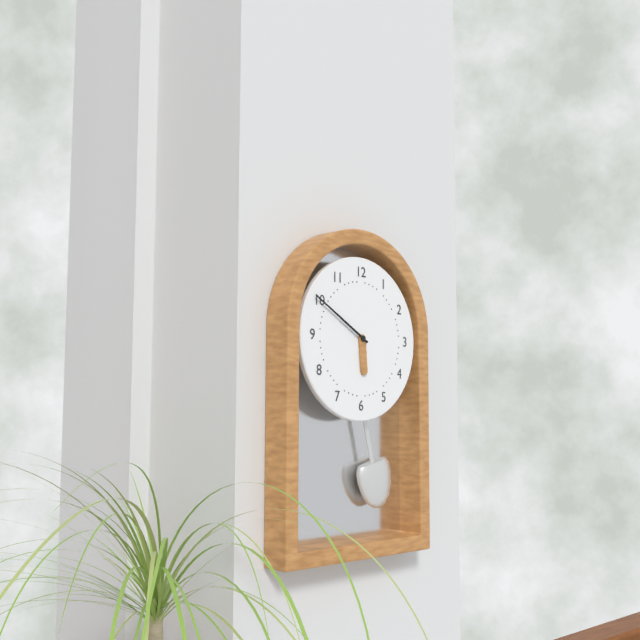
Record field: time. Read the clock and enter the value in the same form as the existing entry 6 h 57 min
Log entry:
5 h 50 min
